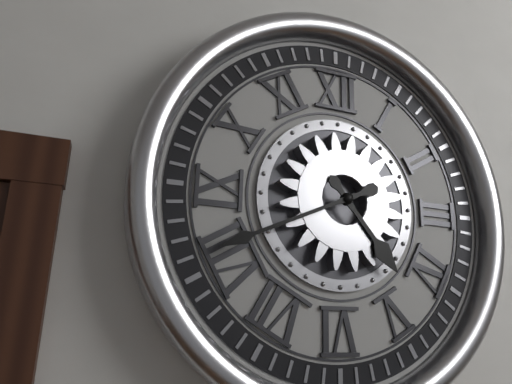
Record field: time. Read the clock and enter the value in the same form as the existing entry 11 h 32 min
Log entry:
4 h 41 min
